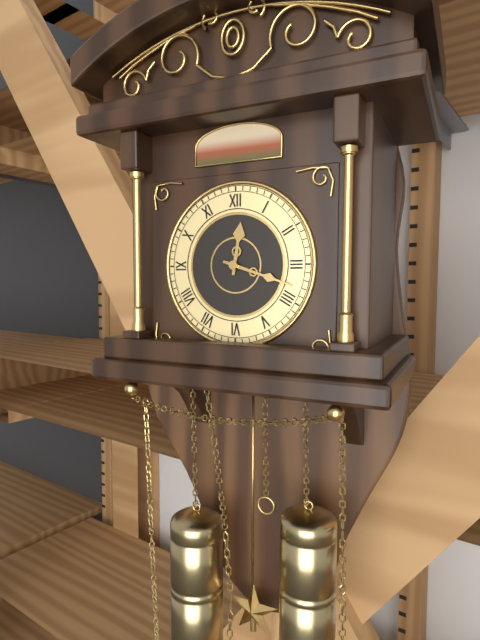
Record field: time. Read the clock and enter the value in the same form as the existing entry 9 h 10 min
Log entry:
12 h 18 min
